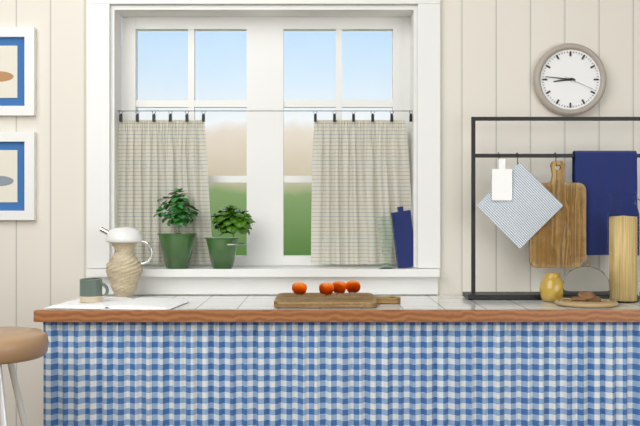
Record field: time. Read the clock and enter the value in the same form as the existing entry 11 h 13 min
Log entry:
8 h 46 min
